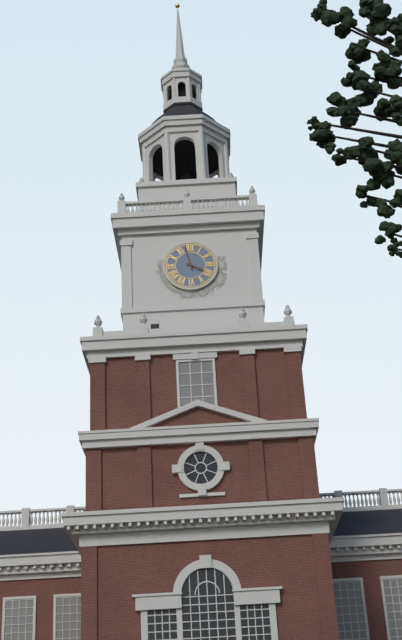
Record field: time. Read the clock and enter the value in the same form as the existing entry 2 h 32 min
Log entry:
3 h 58 min
